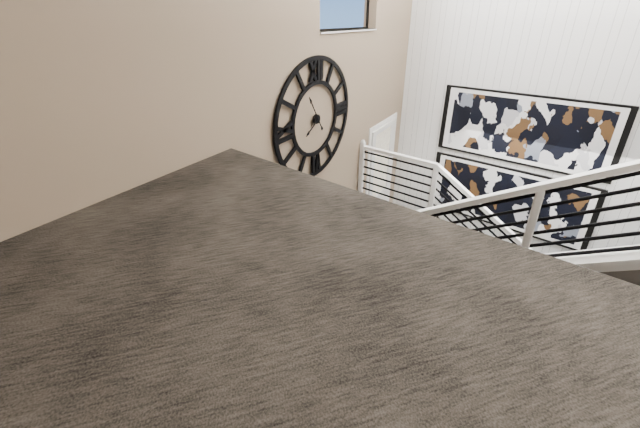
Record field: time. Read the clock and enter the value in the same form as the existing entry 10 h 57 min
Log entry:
7 h 55 min
